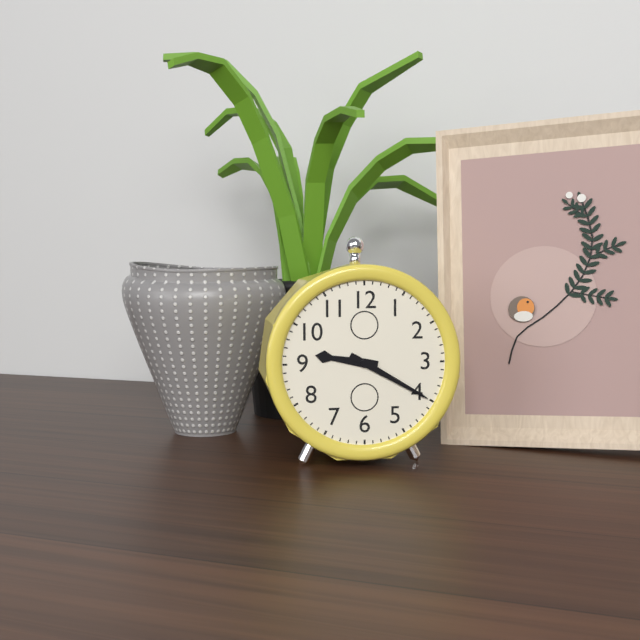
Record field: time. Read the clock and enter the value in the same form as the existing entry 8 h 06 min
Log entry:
9 h 20 min
